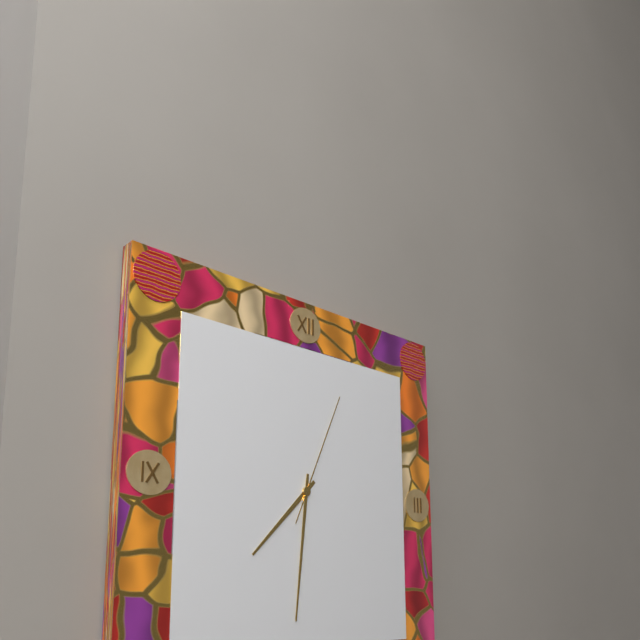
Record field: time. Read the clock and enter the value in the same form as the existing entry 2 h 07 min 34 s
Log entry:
7 h 31 min 04 s
